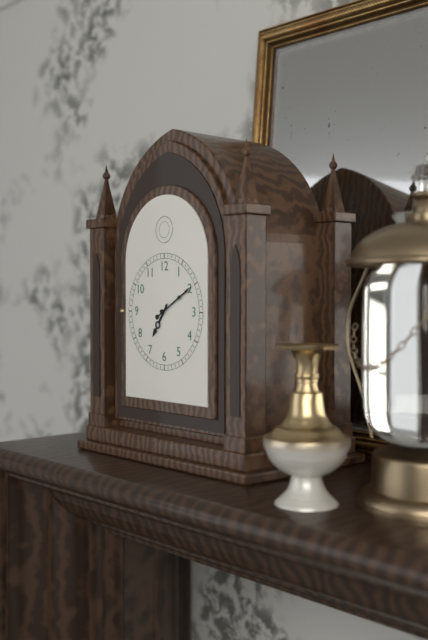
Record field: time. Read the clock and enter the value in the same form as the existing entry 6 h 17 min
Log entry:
7 h 10 min
